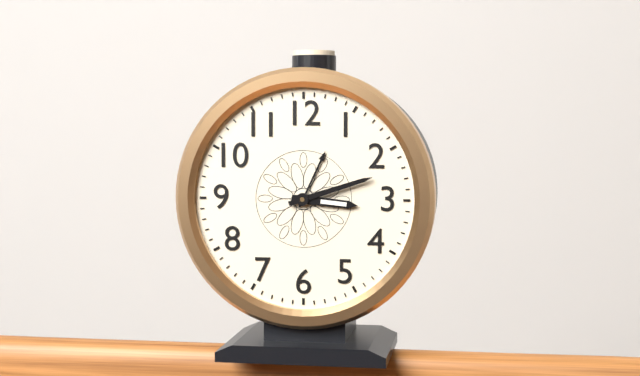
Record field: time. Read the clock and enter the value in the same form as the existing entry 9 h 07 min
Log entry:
3 h 12 min
